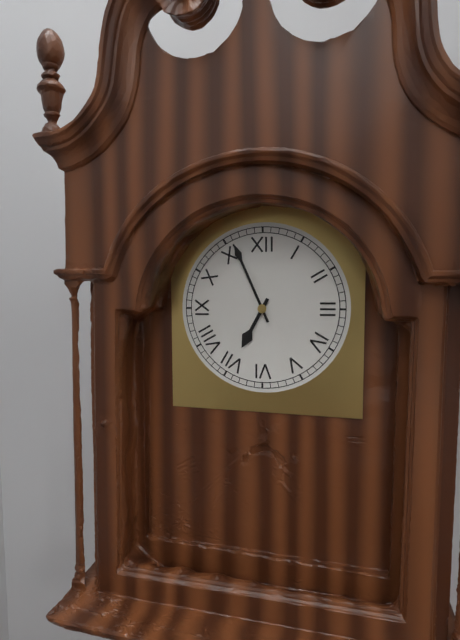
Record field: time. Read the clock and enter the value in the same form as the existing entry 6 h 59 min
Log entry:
6 h 56 min
